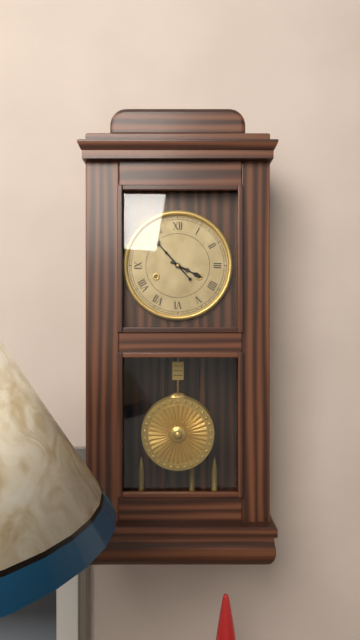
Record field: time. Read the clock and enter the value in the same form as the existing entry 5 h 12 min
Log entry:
3 h 53 min
